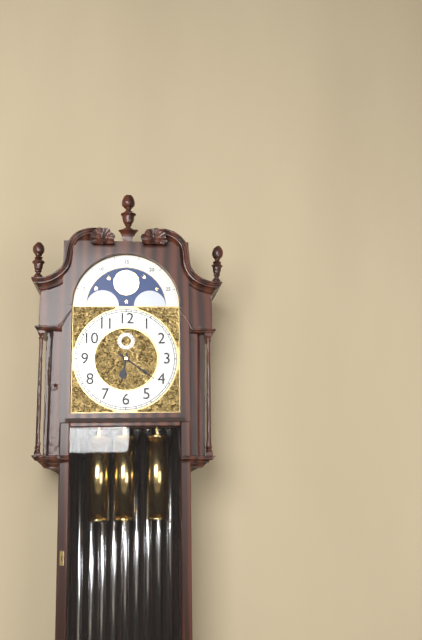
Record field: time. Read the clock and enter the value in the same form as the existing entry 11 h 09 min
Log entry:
6 h 21 min
